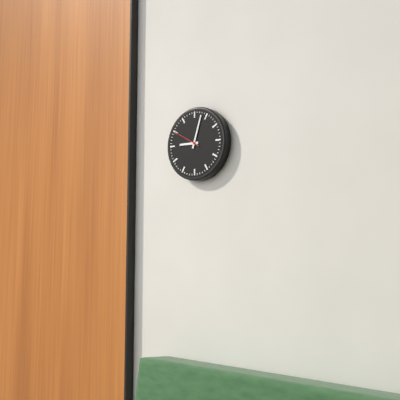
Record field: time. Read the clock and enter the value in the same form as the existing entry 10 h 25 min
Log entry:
9 h 03 min
